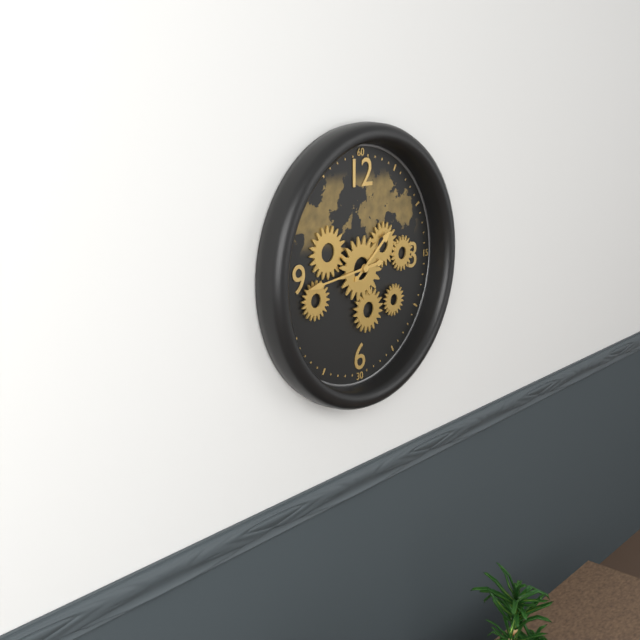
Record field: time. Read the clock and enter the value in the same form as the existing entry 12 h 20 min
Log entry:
1 h 44 min
